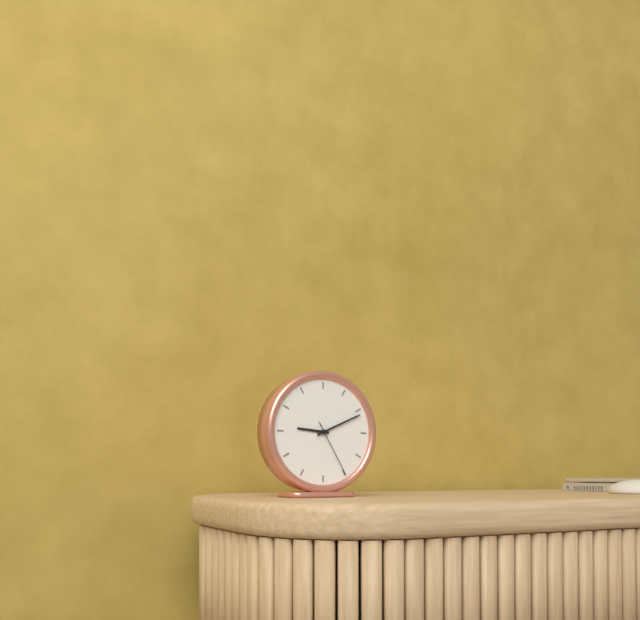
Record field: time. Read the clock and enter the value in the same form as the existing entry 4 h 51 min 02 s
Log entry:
9 h 11 min 25 s
